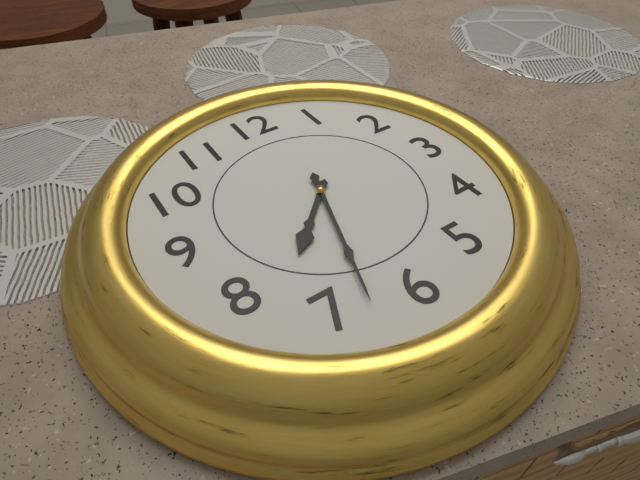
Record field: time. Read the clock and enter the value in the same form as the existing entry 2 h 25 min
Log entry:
7 h 33 min
